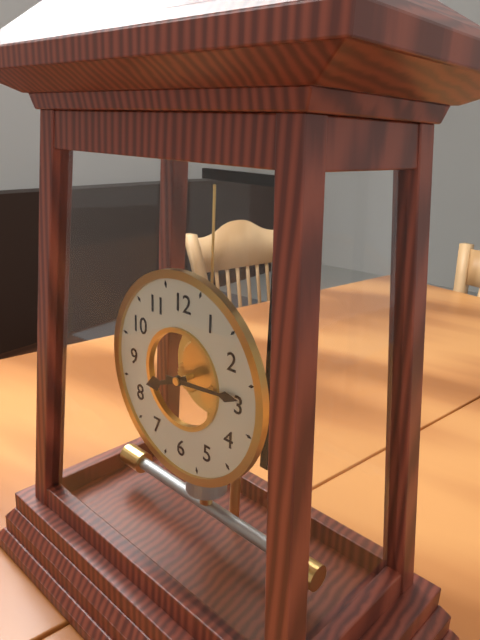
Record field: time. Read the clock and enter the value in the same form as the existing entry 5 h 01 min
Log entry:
8 h 14 min
